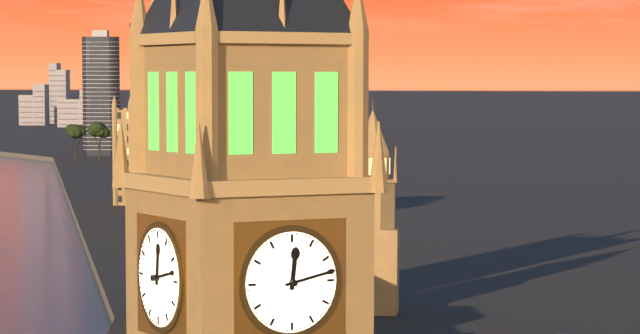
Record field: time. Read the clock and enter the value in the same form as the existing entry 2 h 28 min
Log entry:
12 h 13 min
